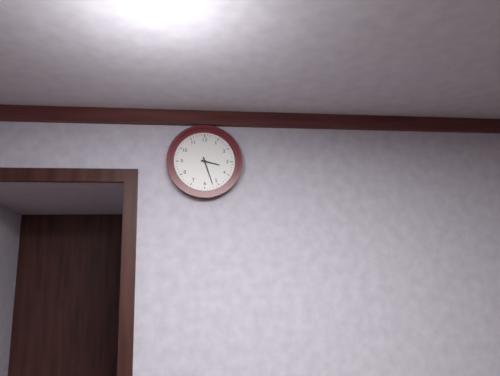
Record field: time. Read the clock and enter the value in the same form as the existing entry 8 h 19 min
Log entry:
3 h 27 min
